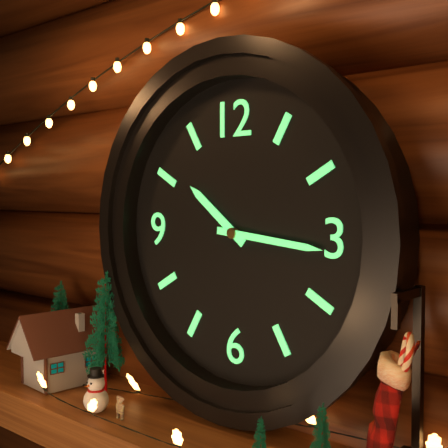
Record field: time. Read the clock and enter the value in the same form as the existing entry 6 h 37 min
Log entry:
10 h 16 min
